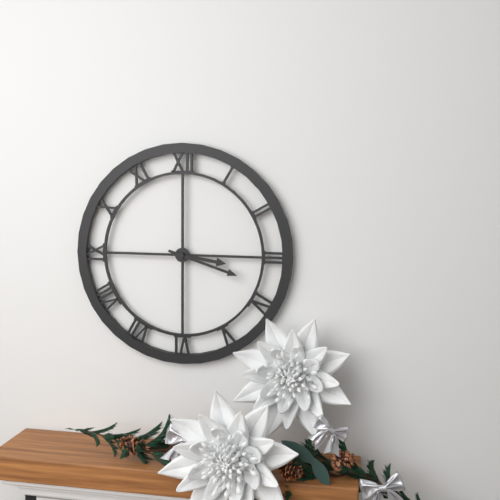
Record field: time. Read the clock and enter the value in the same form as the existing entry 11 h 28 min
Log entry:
3 h 18 min
